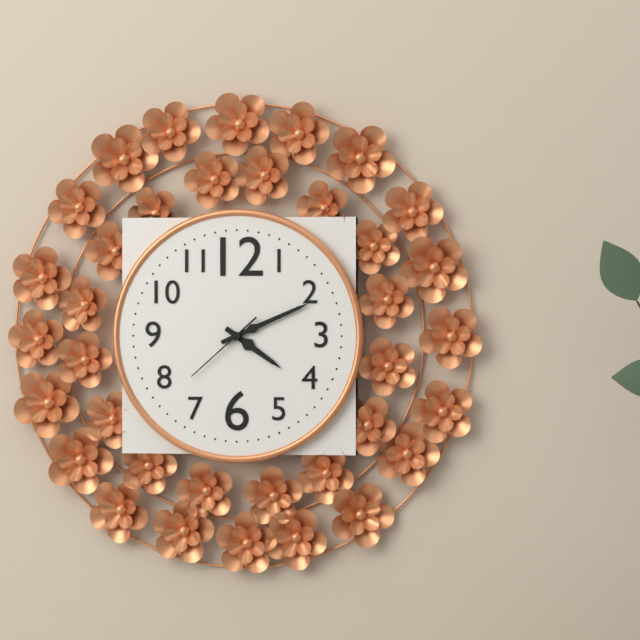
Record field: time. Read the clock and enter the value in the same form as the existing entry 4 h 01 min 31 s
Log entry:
4 h 11 min 38 s
